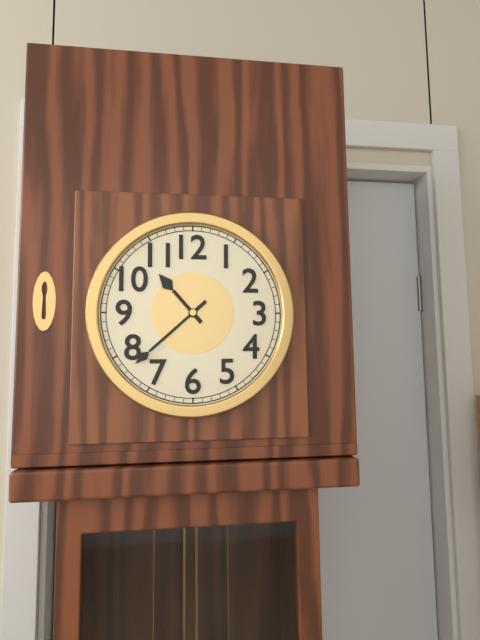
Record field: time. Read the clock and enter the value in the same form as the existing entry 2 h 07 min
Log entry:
10 h 38 min
